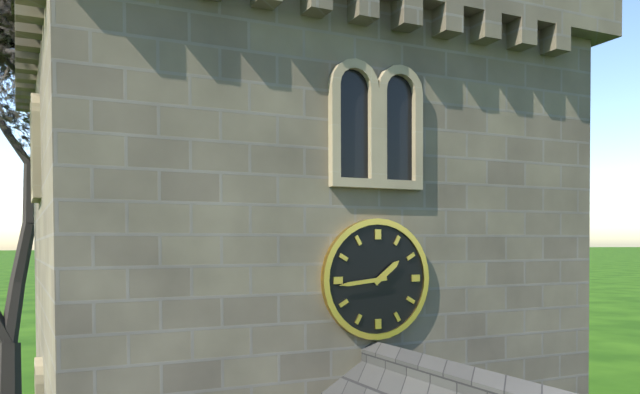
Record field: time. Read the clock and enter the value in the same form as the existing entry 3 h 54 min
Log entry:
1 h 44 min
